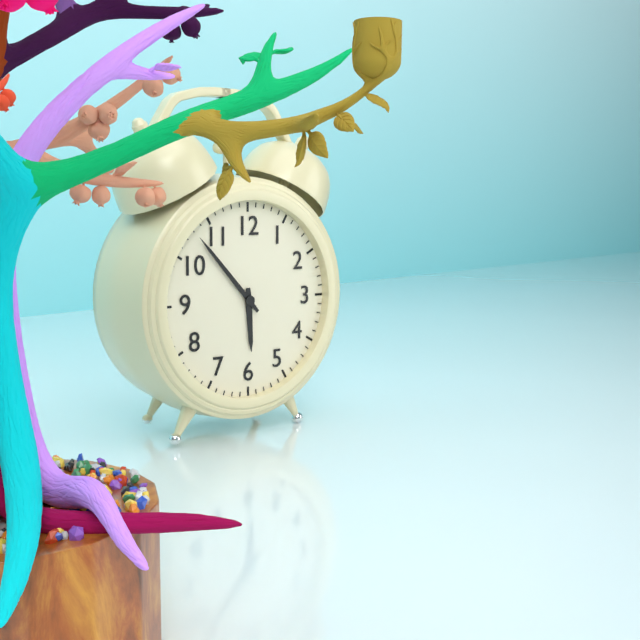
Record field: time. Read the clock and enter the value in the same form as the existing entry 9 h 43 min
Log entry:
5 h 53 min
